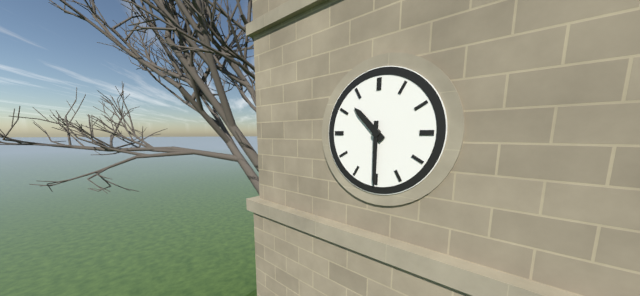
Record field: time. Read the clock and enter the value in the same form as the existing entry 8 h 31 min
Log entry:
10 h 30 min
